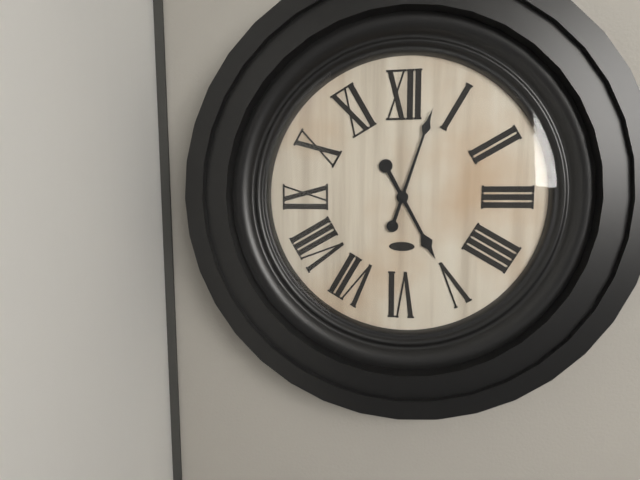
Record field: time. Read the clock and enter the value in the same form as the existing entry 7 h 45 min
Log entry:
5 h 03 min
